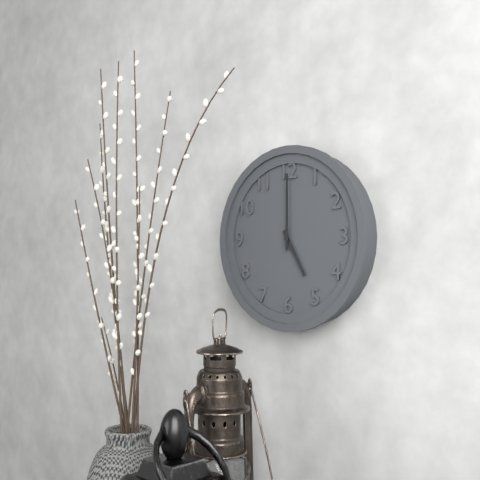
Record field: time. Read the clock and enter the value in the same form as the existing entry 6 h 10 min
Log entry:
5 h 00 min
